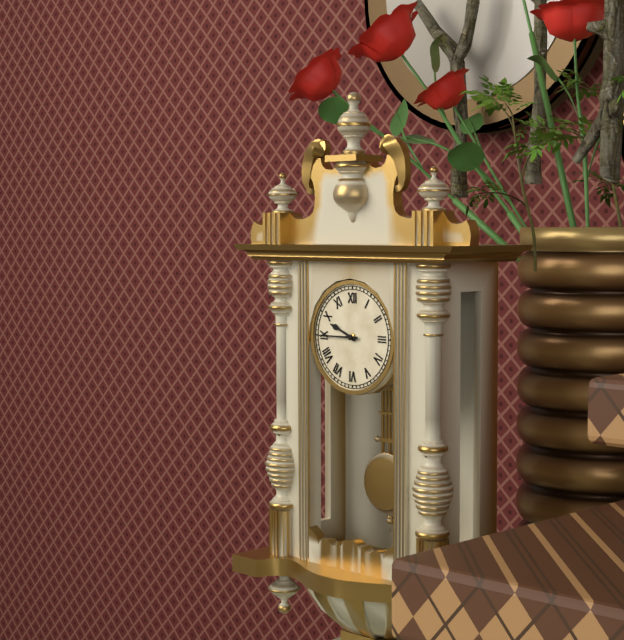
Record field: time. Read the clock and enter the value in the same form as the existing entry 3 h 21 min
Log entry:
9 h 45 min
